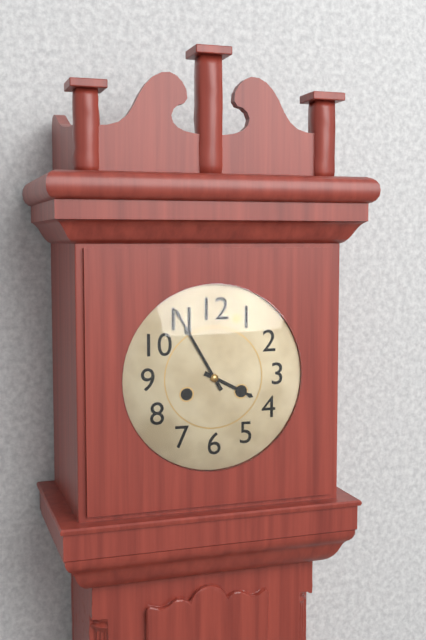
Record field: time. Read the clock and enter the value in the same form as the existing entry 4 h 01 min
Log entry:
3 h 55 min
